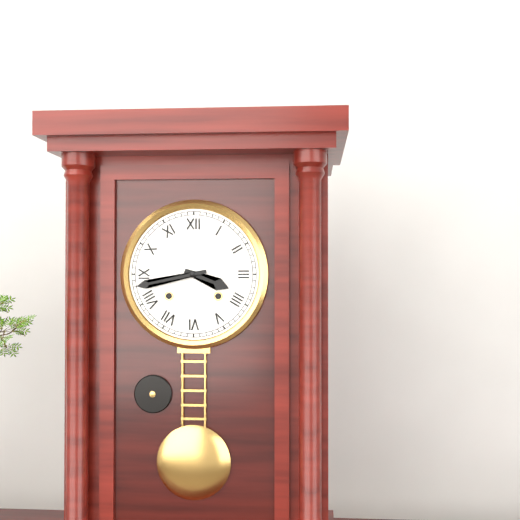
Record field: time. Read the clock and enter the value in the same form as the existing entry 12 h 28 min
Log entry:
3 h 43 min
